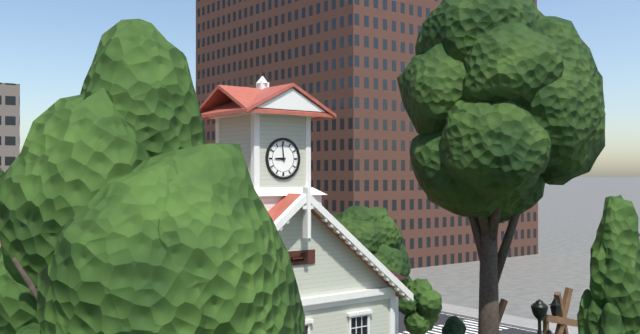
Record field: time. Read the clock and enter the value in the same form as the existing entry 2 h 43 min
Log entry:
8 h 59 min
